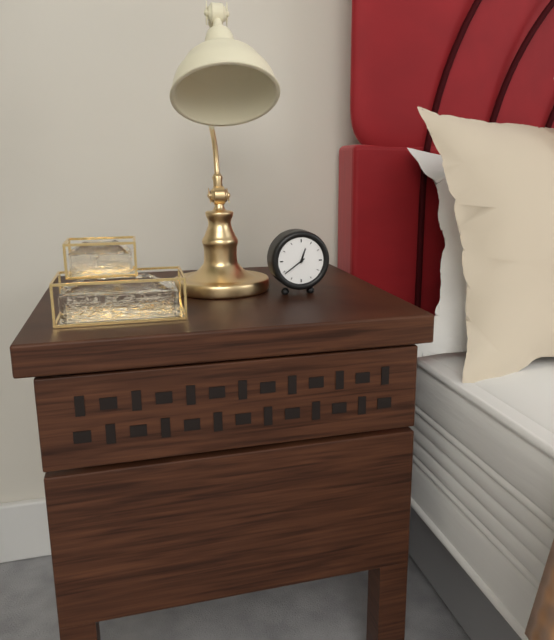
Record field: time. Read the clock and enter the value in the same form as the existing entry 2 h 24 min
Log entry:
12 h 39 min
